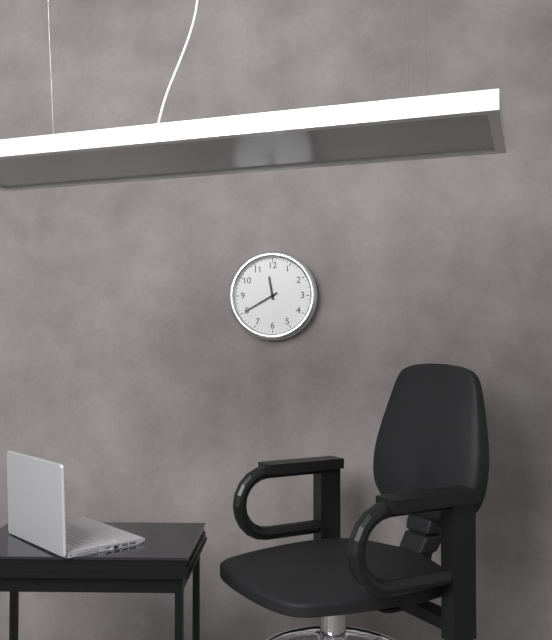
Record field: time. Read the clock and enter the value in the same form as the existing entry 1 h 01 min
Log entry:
11 h 40 min
